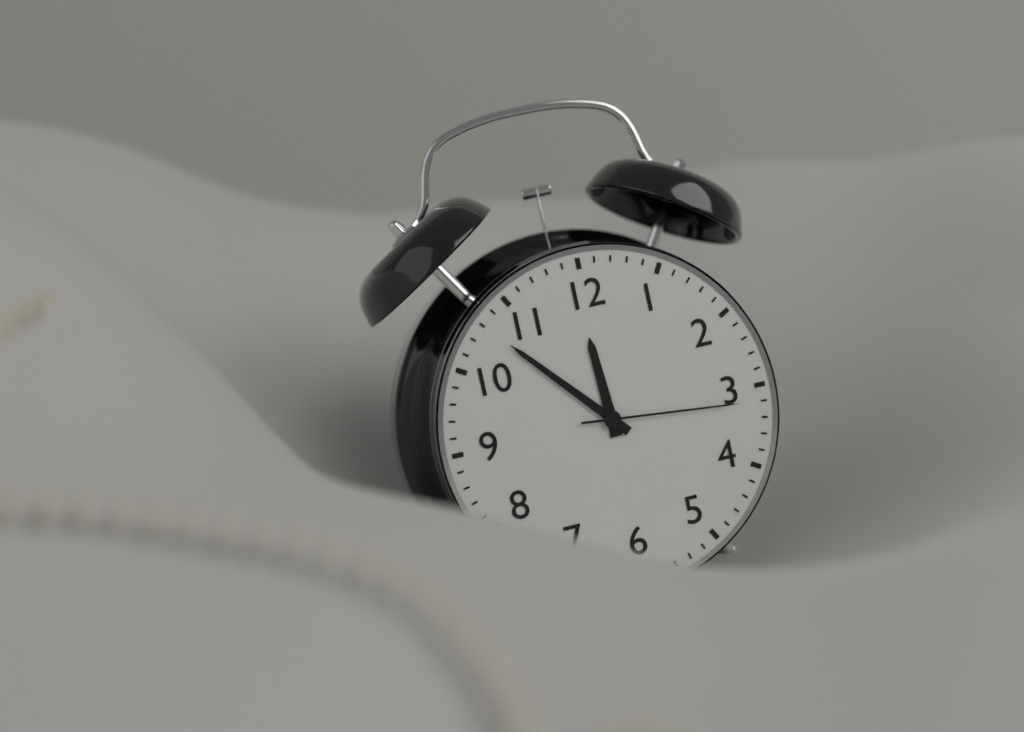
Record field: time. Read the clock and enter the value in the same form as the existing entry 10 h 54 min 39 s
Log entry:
11 h 53 min 16 s
